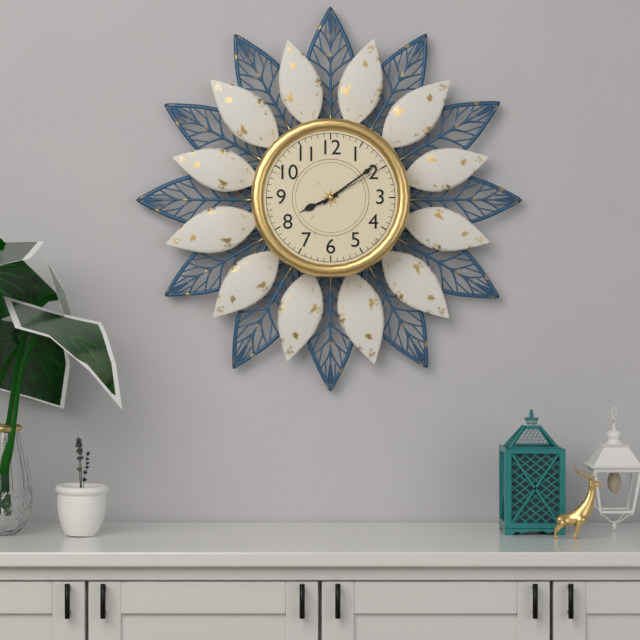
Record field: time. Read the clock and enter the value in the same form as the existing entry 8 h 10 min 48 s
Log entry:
8 h 09 min 10 s
